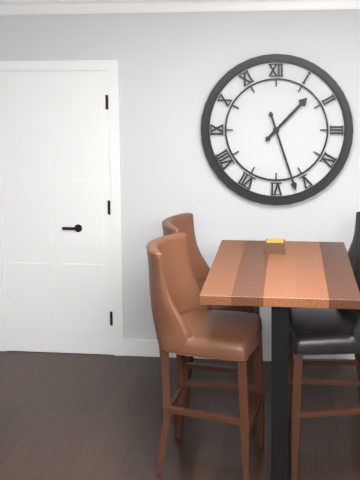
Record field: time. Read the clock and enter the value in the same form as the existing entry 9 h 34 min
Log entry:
1 h 27 min
